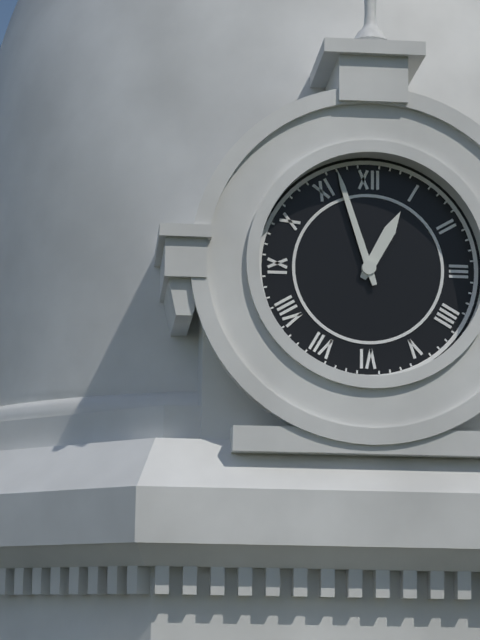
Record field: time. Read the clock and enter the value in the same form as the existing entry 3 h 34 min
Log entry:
12 h 57 min
